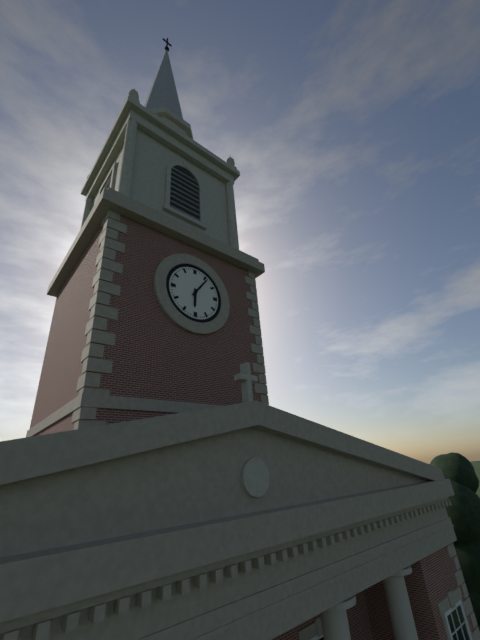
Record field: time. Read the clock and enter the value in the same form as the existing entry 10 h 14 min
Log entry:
6 h 06 min
